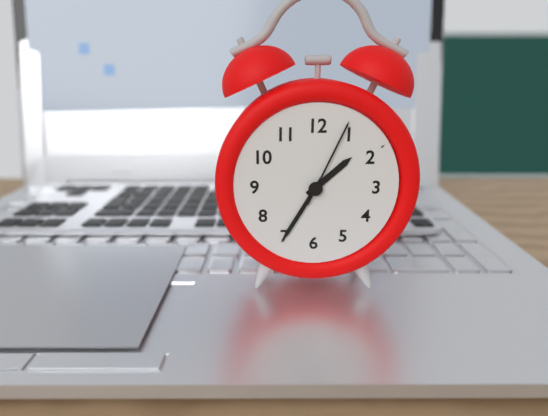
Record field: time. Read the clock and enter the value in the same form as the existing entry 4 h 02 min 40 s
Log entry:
1 h 35 min 04 s
